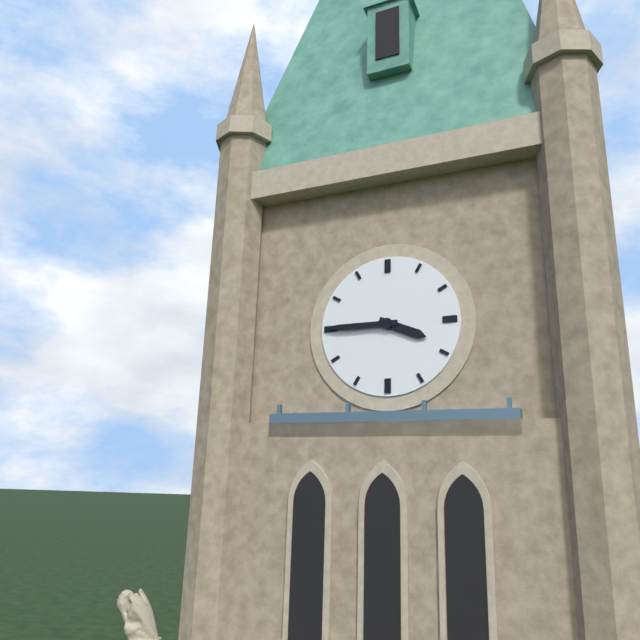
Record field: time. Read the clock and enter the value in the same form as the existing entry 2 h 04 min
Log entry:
3 h 45 min
